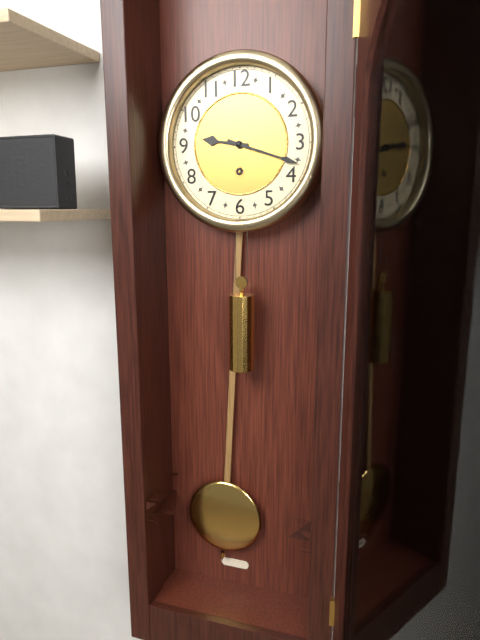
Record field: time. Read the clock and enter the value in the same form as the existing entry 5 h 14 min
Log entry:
9 h 18 min
